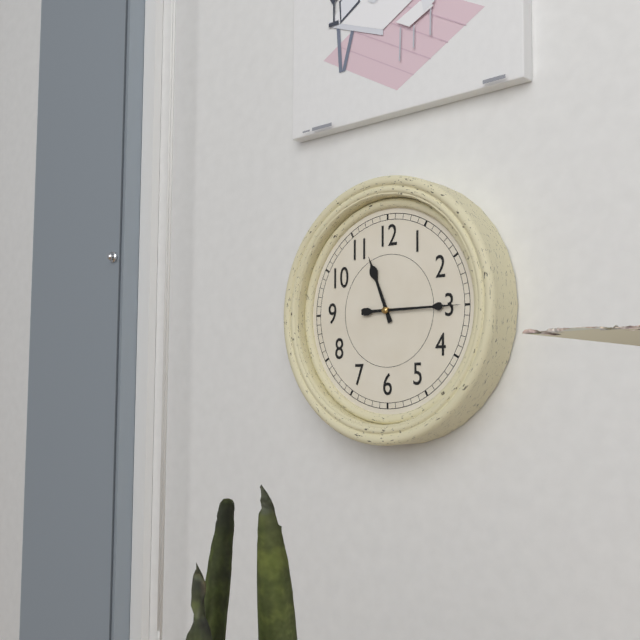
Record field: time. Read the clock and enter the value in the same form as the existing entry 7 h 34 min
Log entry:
11 h 15 min
